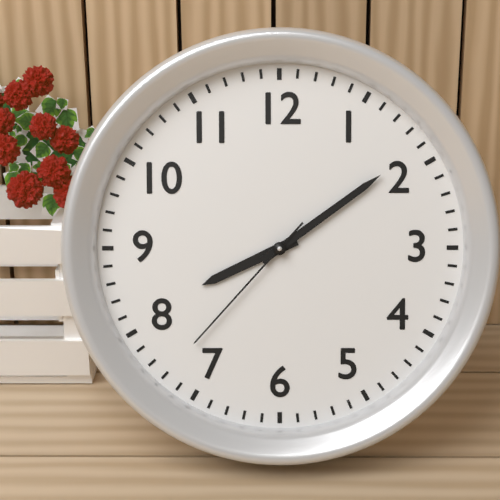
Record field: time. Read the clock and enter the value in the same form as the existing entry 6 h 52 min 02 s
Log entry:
8 h 09 min 37 s
